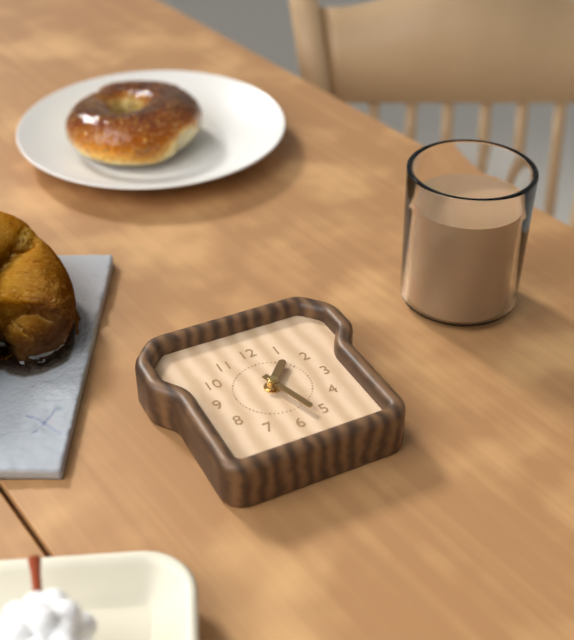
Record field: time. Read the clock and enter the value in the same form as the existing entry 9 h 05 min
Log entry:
1 h 27 min
